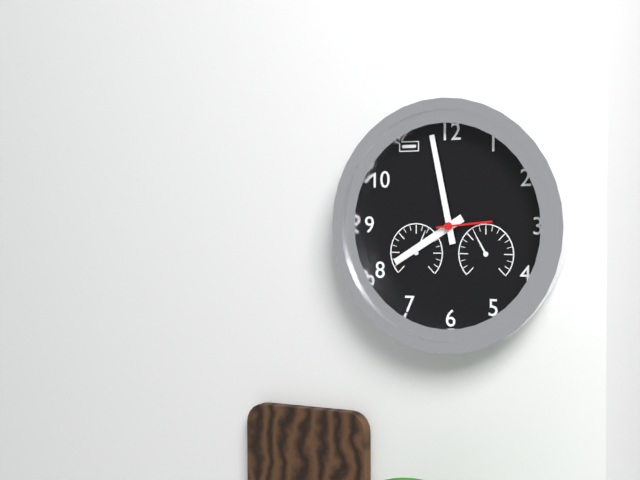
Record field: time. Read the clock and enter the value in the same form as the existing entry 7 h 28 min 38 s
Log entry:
7 h 58 min 14 s
